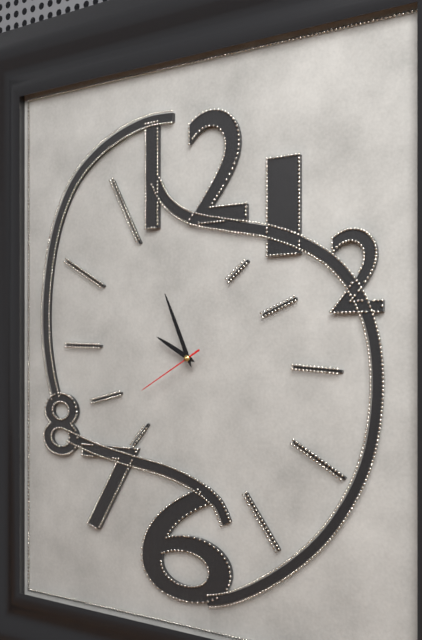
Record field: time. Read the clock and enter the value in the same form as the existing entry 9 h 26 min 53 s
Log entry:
9 h 56 min 40 s
